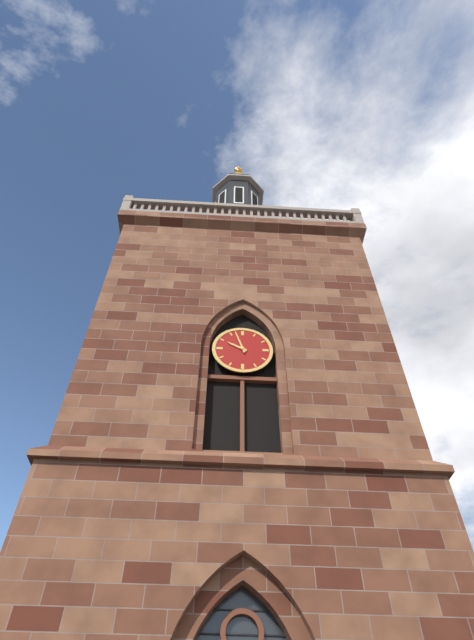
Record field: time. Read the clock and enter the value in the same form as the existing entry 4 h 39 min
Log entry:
9 h 57 min
